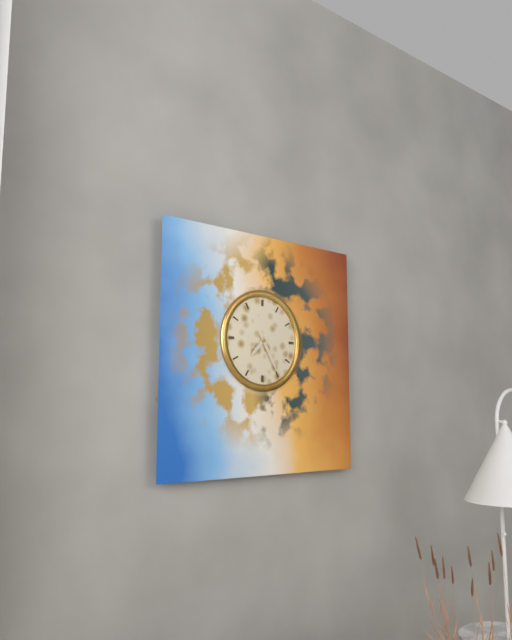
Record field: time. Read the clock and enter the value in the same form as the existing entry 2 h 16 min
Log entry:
7 h 25 min
